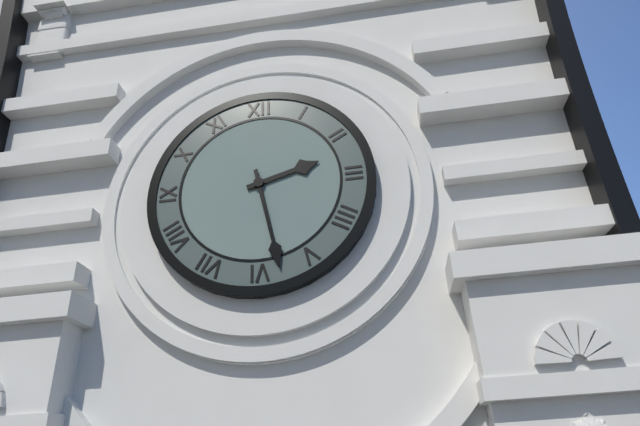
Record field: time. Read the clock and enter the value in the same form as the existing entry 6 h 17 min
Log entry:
2 h 28 min
